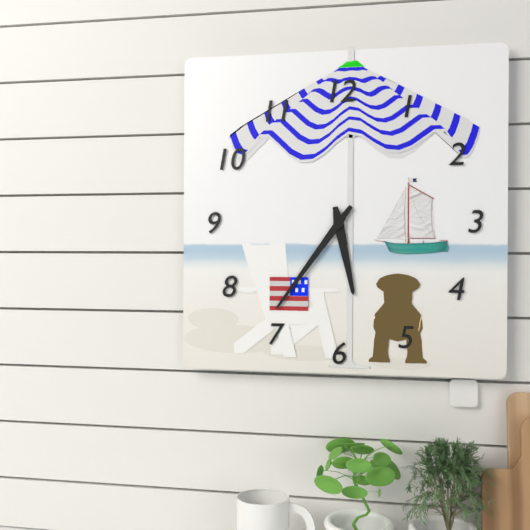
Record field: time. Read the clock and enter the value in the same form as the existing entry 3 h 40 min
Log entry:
5 h 36 min
